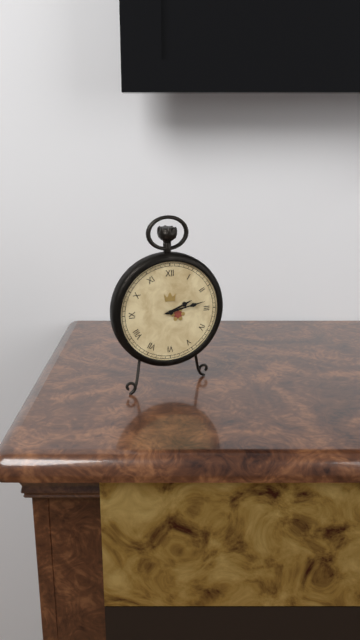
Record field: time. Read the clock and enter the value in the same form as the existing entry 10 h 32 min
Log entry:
2 h 13 min
